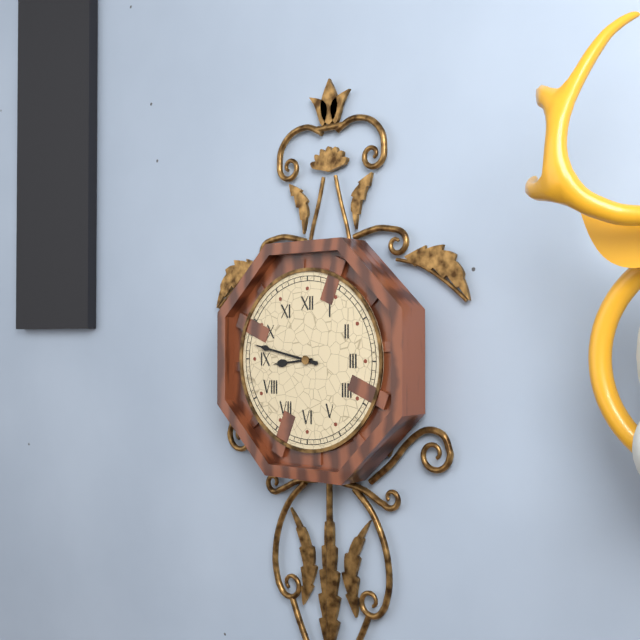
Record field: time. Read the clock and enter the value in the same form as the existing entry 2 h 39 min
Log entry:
8 h 47 min
